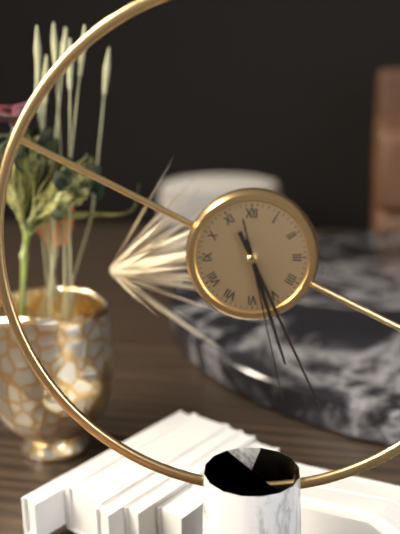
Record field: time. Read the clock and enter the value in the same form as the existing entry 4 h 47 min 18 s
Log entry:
5 h 26 min 28 s
